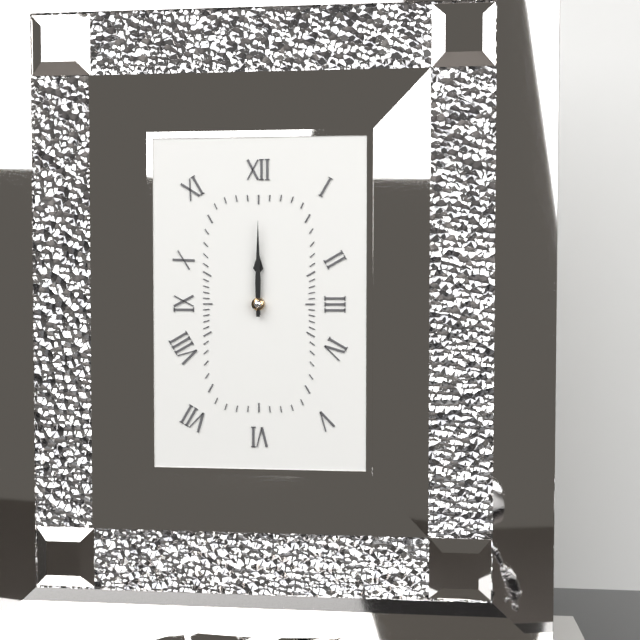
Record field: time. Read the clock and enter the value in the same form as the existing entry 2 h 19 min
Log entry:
12 h 00 min
